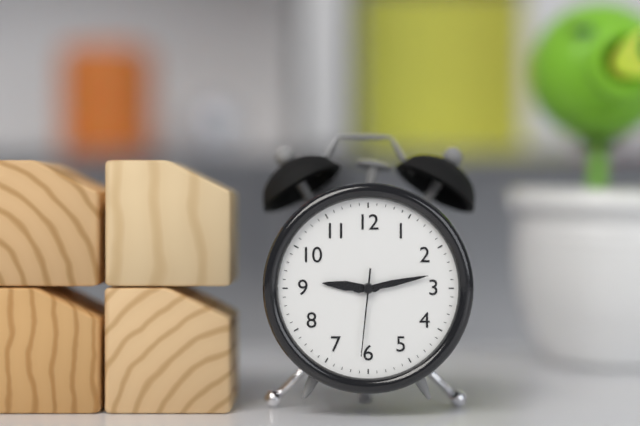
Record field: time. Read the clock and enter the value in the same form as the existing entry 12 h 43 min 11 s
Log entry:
9 h 13 min 31 s
